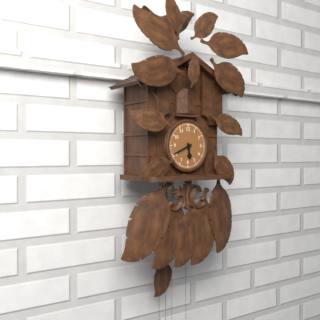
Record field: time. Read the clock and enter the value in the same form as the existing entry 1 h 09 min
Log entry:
5 h 41 min
